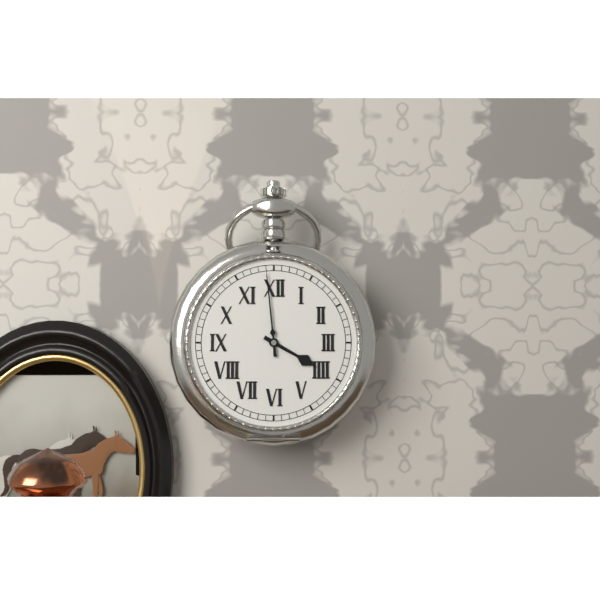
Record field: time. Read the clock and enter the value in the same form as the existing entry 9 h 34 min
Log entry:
3 h 59 min
